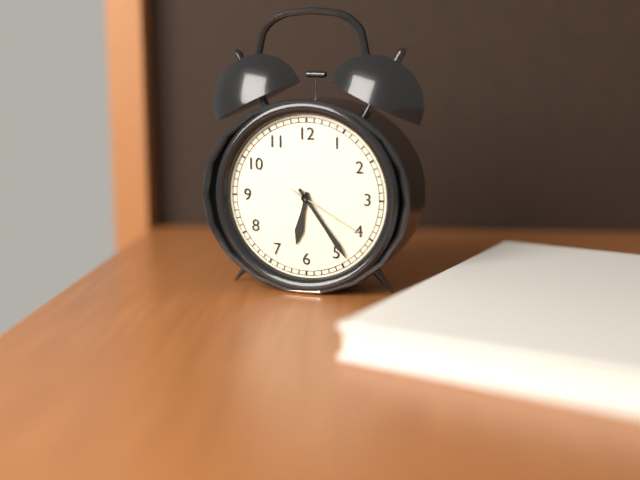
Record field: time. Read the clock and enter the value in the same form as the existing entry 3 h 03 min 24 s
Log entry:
6 h 24 min 20 s
